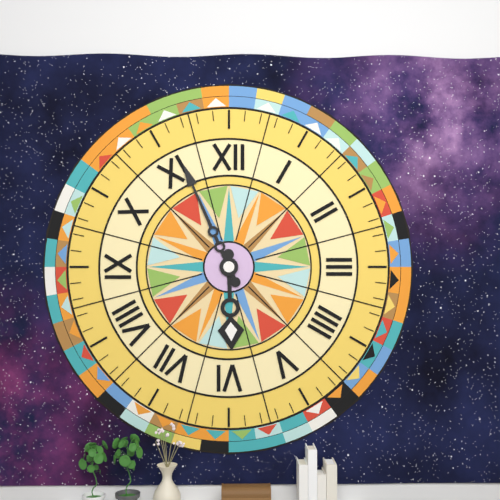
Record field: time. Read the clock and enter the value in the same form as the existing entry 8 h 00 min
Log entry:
5 h 56 min
